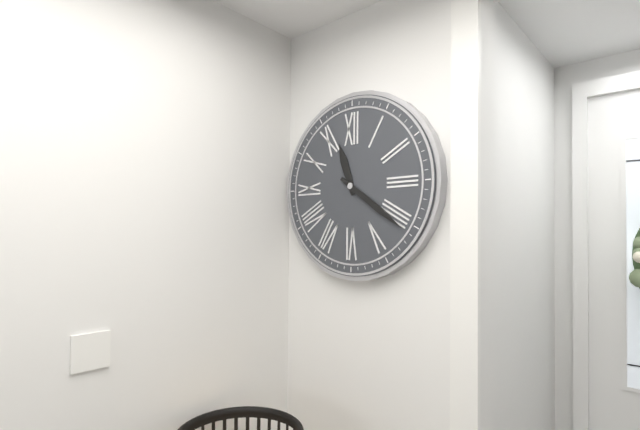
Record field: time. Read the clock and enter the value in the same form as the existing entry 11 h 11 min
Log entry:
11 h 21 min
